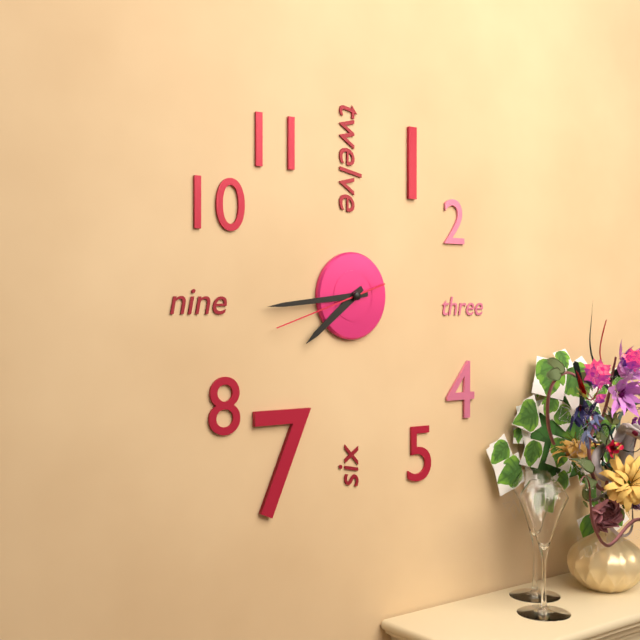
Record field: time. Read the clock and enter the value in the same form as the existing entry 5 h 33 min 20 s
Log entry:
7 h 44 min 42 s
